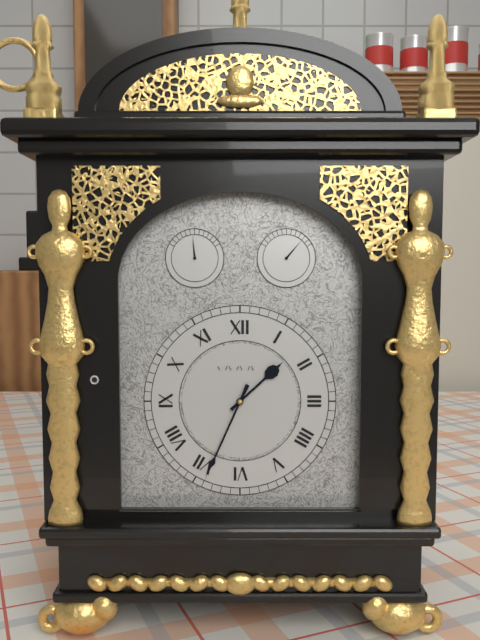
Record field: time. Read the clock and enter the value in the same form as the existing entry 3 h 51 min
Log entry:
1 h 34 min
